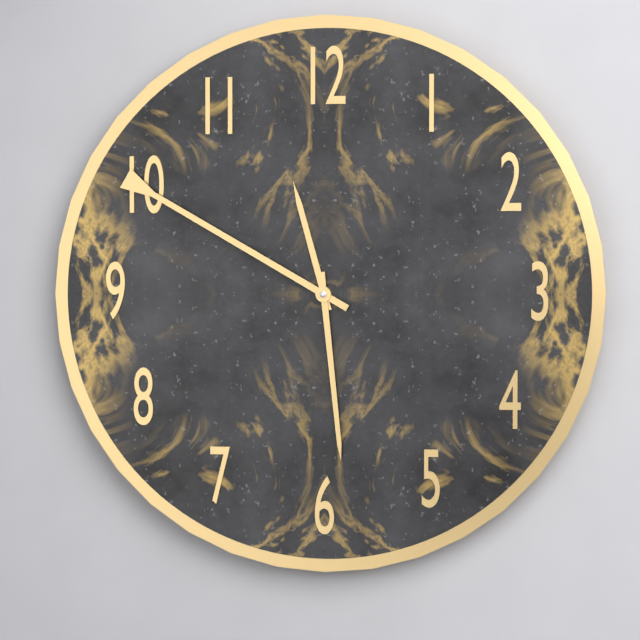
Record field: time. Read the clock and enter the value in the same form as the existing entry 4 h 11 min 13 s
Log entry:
11 h 29 min 50 s
